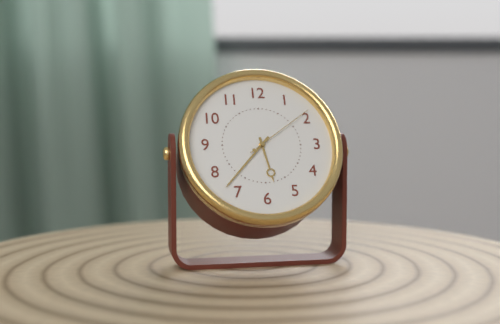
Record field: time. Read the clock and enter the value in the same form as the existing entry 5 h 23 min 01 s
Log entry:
5 h 37 min 09 s
